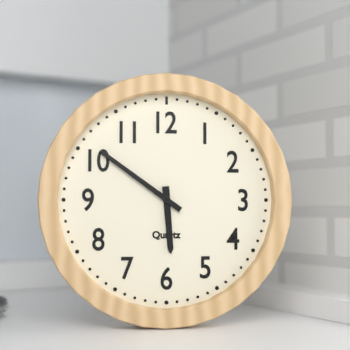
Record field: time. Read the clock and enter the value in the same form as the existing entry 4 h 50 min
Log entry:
5 h 51 min
